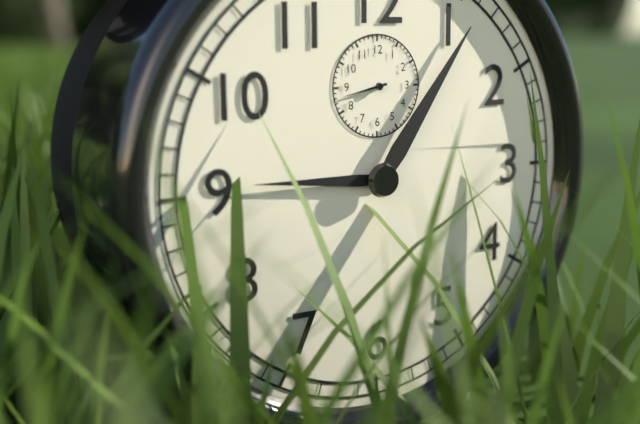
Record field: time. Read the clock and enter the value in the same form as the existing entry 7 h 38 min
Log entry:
9 h 06 min
